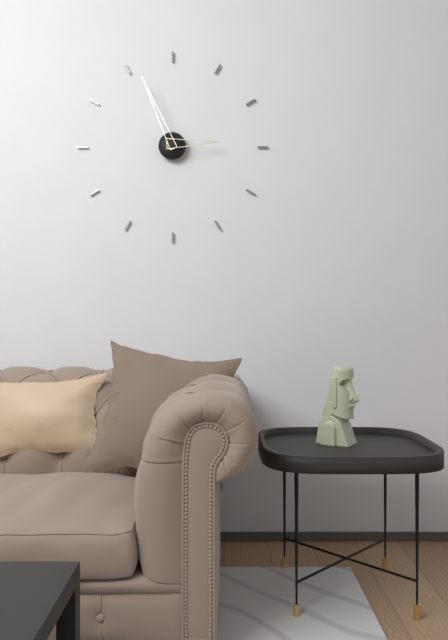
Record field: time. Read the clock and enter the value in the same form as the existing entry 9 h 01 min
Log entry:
2 h 56 min
